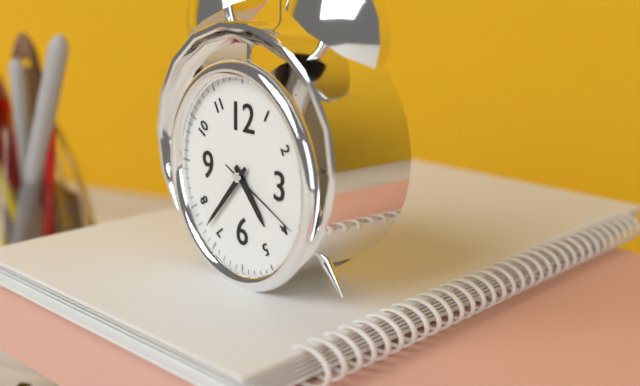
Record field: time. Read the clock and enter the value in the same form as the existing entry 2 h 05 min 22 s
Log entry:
4 h 37 min 19 s
